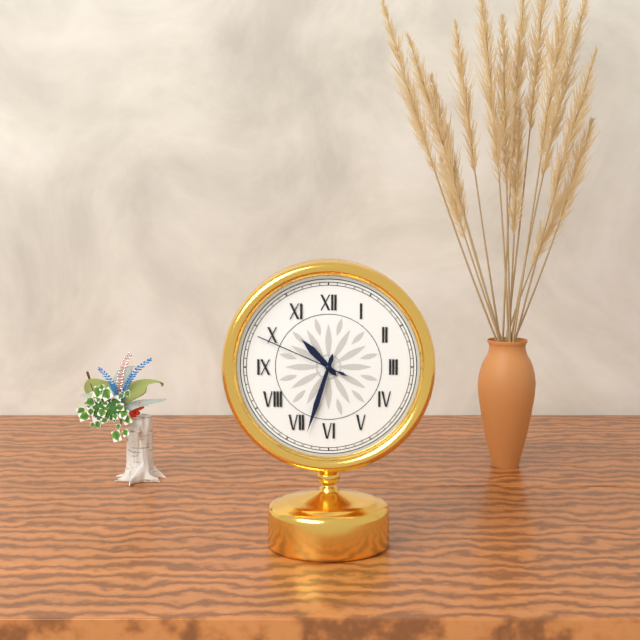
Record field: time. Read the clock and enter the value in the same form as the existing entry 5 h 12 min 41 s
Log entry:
10 h 33 min 49 s
